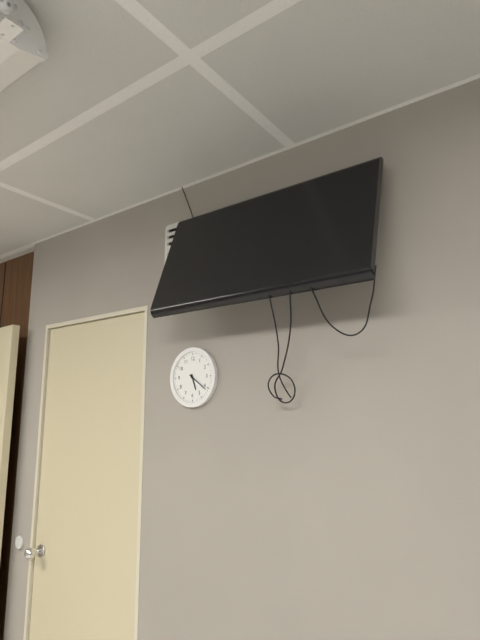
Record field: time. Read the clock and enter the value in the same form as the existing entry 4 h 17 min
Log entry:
5 h 21 min
